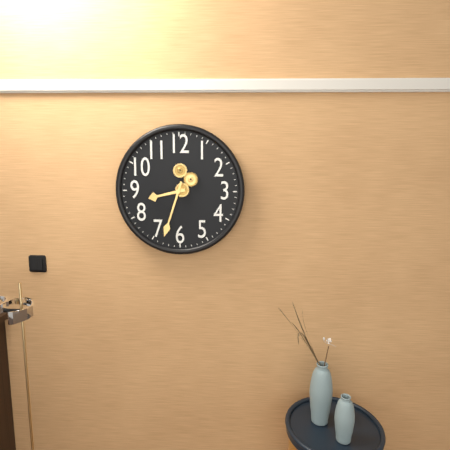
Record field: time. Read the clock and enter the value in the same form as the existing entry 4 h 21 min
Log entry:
8 h 33 min
